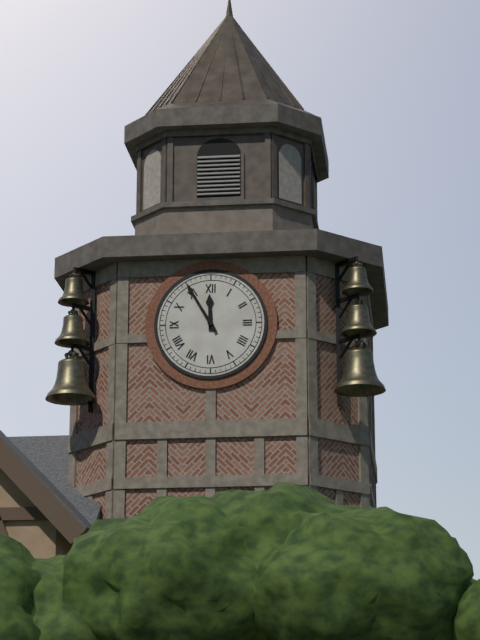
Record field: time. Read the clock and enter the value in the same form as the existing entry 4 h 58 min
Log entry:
11 h 55 min
